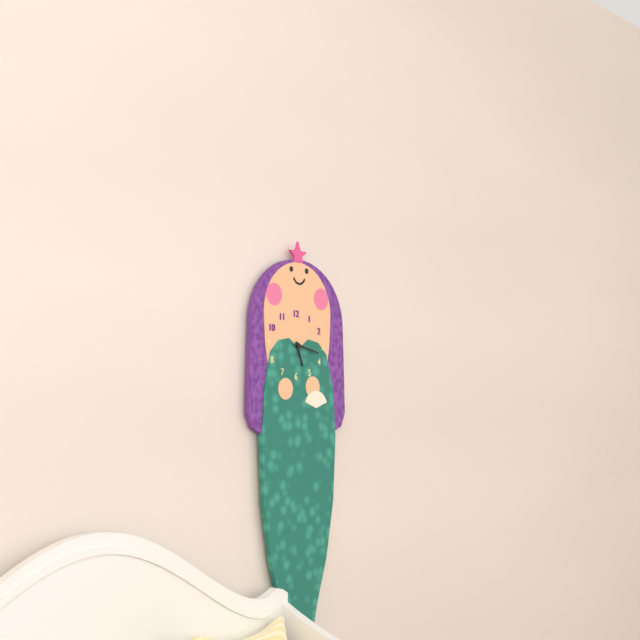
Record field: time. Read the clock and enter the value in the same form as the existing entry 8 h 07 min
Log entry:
5 h 17 min
